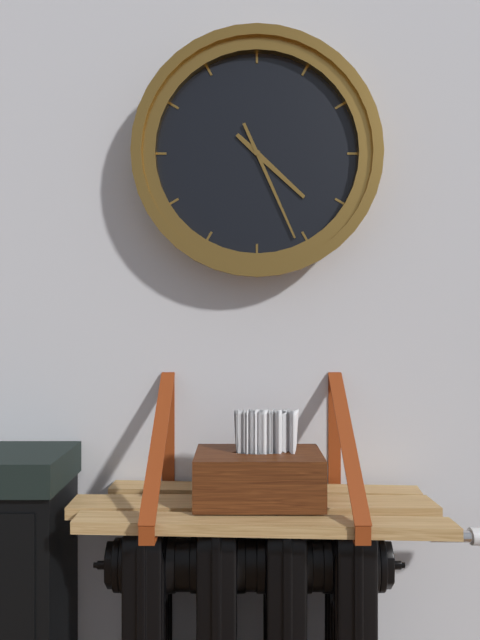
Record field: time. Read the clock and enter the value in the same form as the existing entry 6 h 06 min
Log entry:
4 h 26 min
